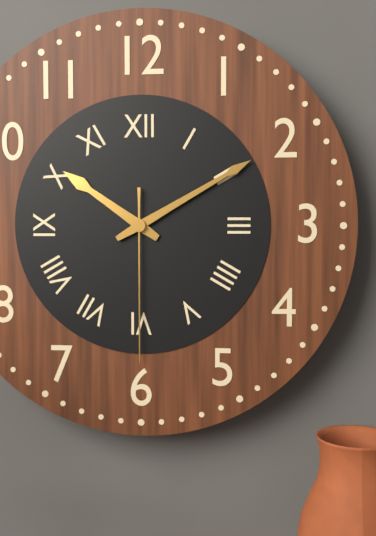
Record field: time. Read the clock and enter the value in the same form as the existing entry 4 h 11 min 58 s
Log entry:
10 h 10 min 30 s
